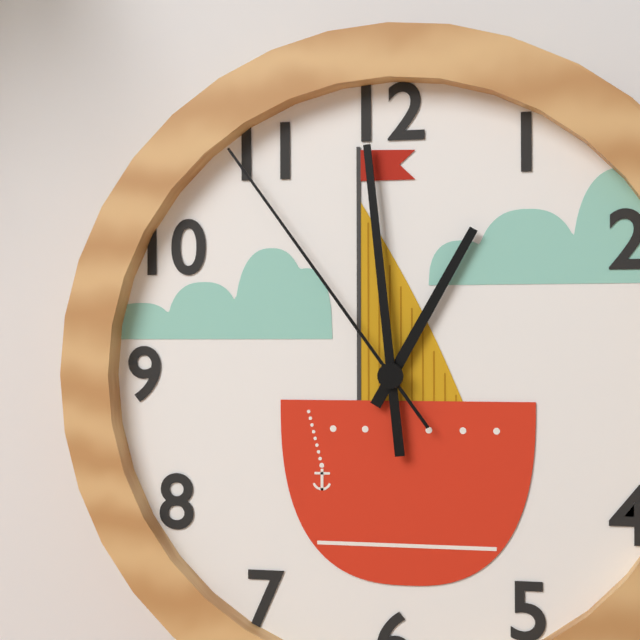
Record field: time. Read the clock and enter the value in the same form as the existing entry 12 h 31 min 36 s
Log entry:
12 h 59 min 54 s
